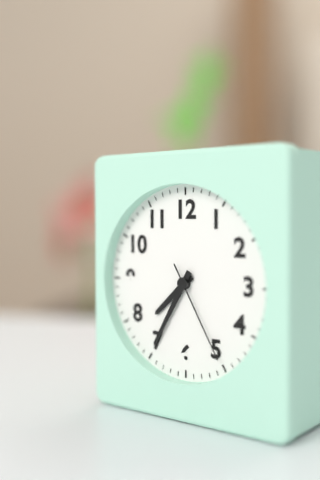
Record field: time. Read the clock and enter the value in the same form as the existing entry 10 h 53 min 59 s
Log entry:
7 h 35 min 25 s
